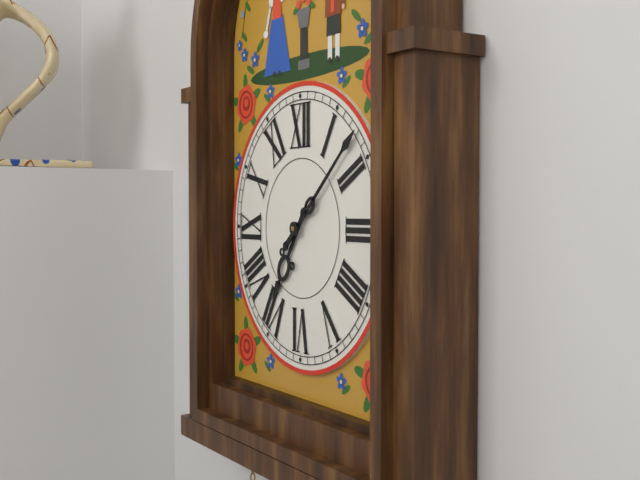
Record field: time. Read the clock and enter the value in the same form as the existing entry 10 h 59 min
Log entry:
7 h 08 min
